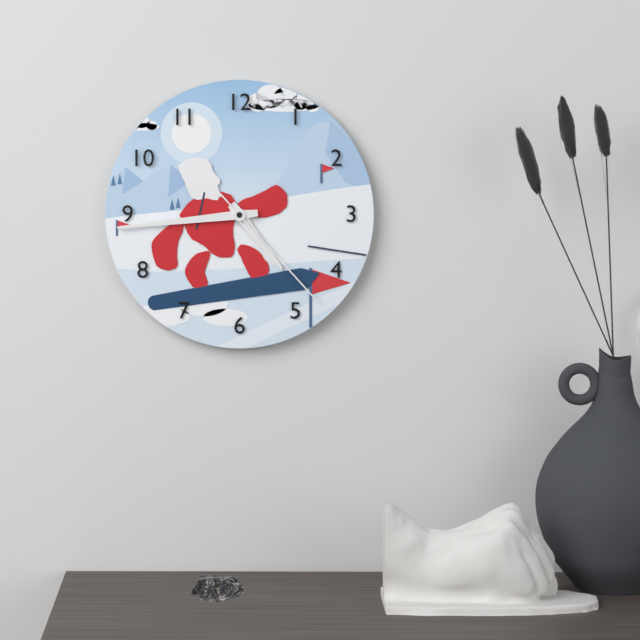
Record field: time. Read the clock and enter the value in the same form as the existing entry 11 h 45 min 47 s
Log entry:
4 h 44 min 23 s
